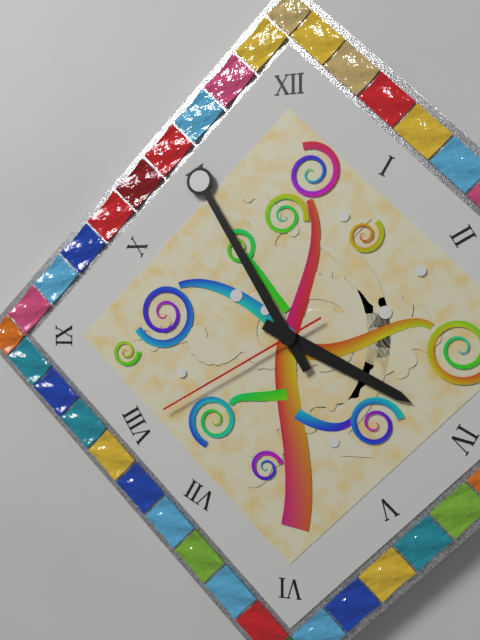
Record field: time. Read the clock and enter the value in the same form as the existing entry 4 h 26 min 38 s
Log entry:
3 h 55 min 40 s
